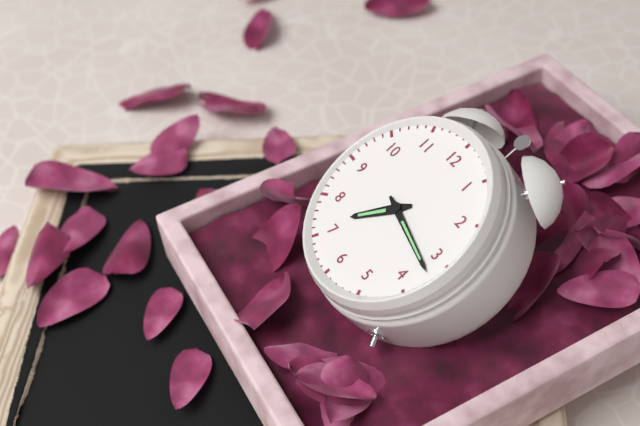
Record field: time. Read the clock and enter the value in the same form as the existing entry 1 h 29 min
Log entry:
7 h 17 min
